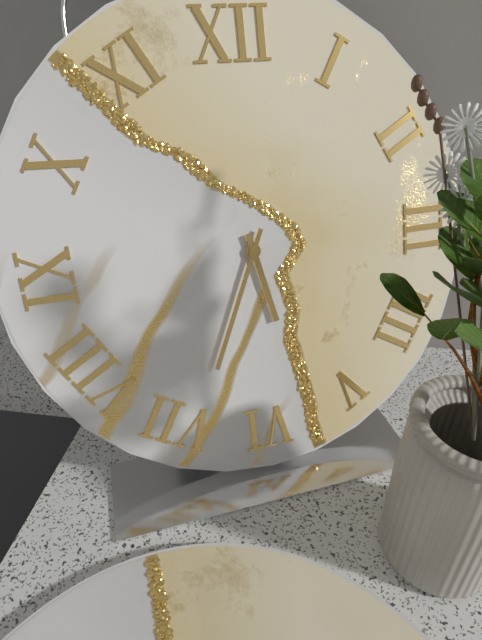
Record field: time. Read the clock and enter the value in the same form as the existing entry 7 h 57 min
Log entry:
5 h 34 min
